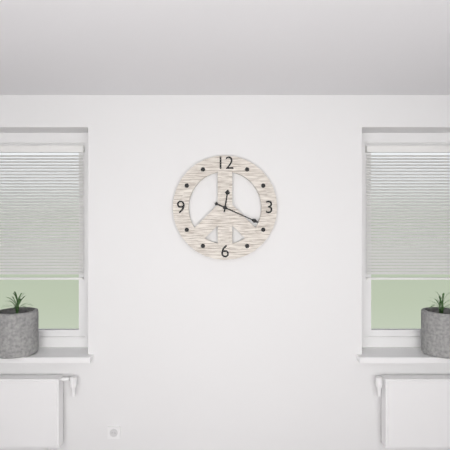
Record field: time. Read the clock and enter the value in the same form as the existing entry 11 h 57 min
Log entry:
12 h 19 min
